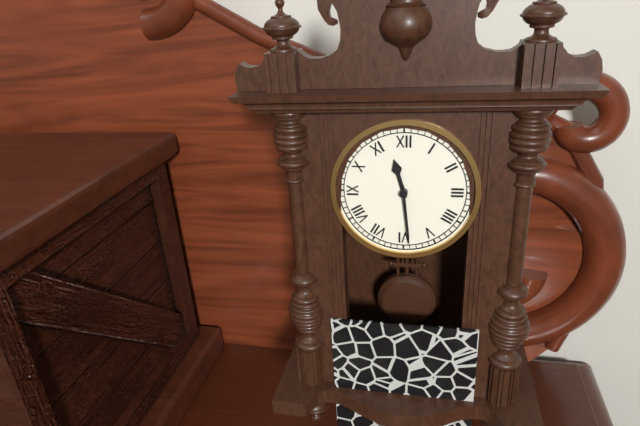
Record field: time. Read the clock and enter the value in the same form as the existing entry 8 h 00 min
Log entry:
11 h 29 min
